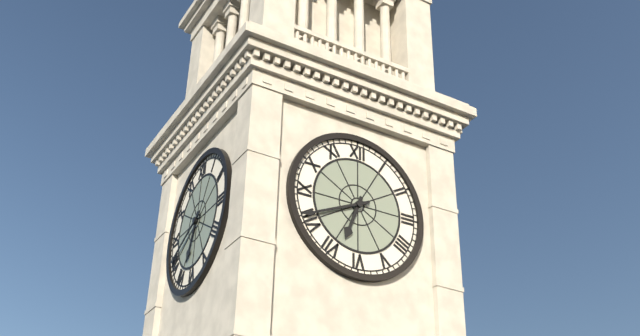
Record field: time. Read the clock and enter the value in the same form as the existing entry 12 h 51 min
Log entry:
6 h 41 min
